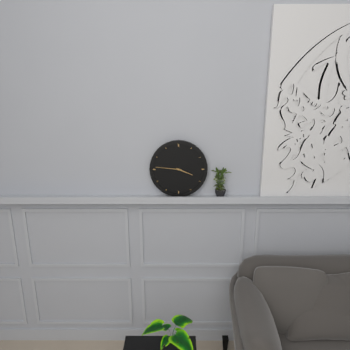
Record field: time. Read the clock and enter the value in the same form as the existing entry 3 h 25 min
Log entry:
3 h 46 min
